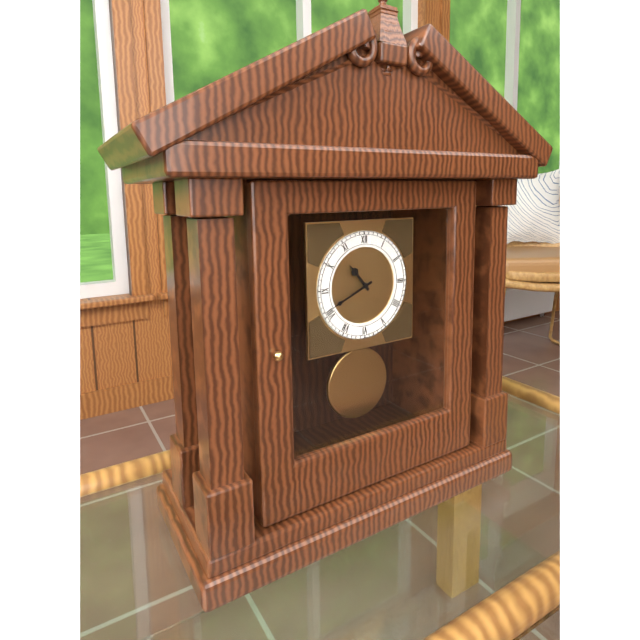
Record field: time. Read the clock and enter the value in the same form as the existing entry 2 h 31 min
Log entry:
10 h 41 min
